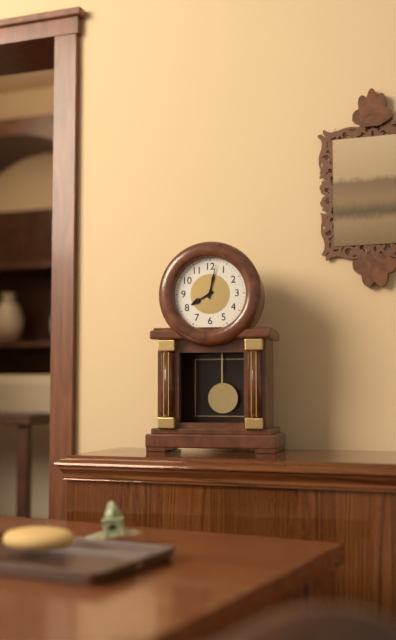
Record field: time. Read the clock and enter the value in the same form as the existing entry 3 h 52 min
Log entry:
8 h 02 min
